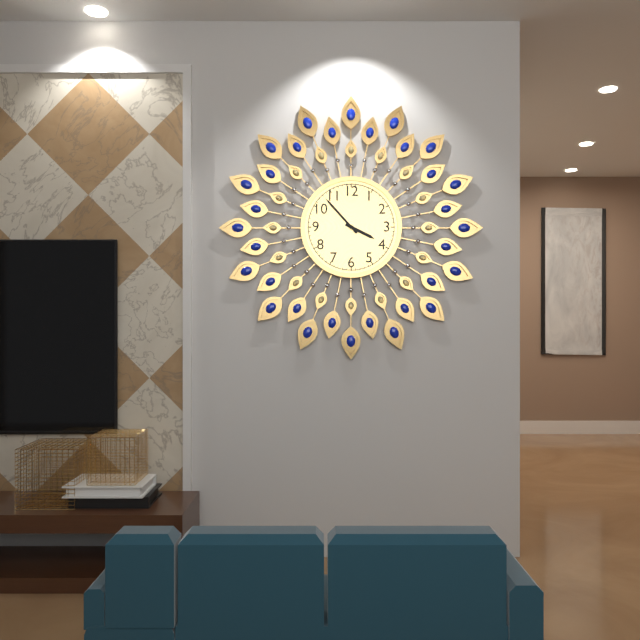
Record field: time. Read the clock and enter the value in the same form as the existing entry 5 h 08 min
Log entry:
3 h 53 min
